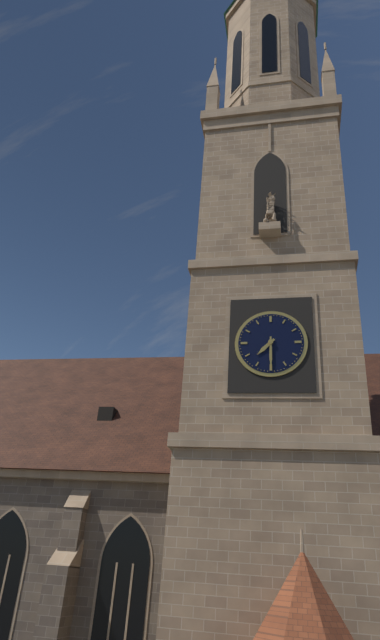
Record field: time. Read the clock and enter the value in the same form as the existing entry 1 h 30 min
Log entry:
7 h 30 min
